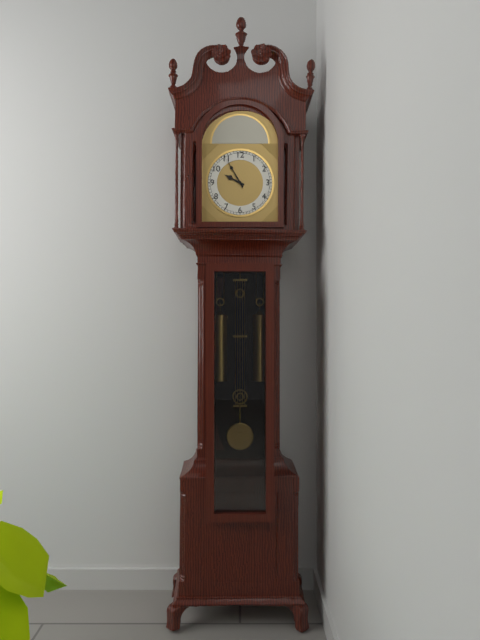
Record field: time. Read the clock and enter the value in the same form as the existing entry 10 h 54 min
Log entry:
9 h 55 min
